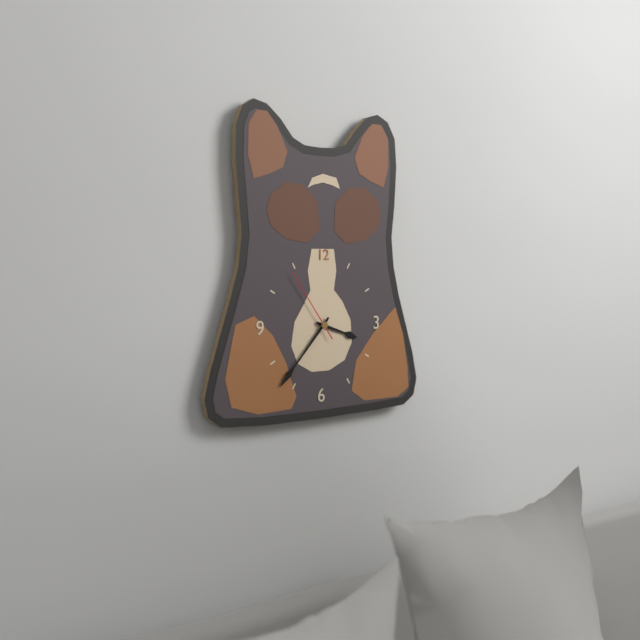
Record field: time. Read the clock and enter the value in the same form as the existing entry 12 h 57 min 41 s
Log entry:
3 h 37 min 54 s
